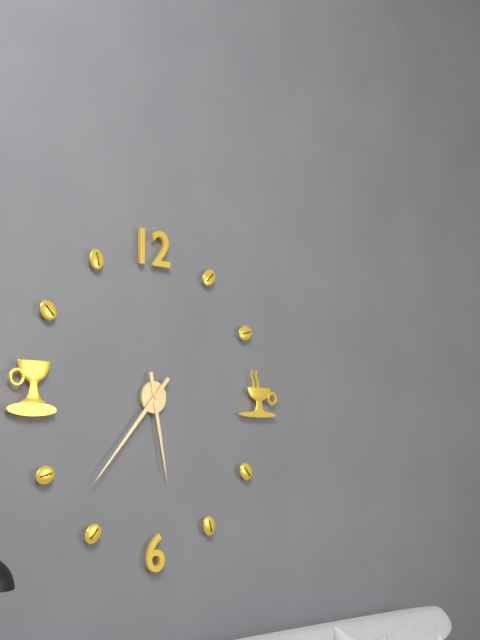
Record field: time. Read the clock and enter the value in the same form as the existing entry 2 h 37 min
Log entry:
5 h 37 min
